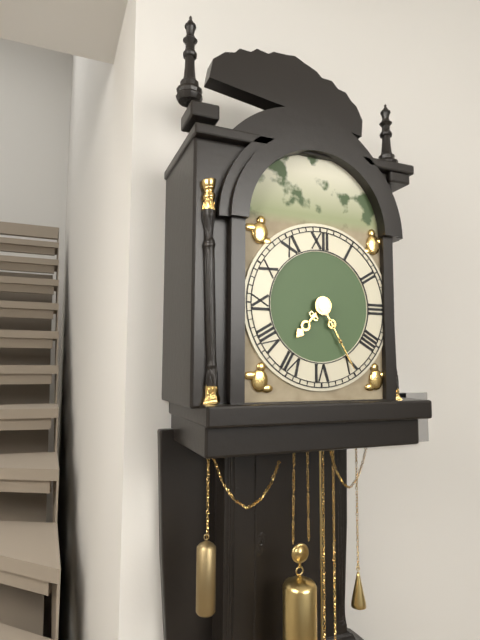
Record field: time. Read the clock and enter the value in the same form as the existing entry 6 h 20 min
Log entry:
7 h 25 min
